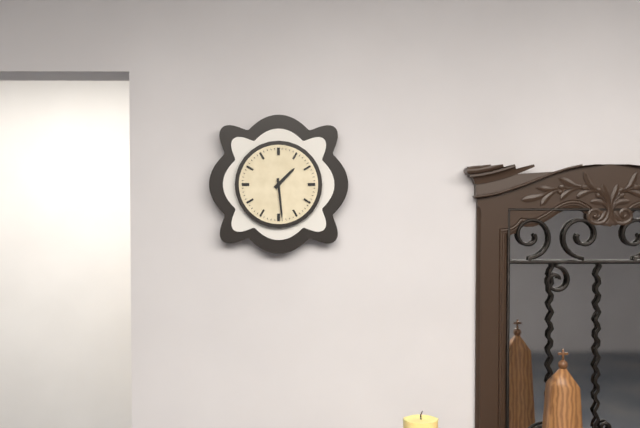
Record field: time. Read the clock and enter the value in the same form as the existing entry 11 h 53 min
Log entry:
1 h 29 min
